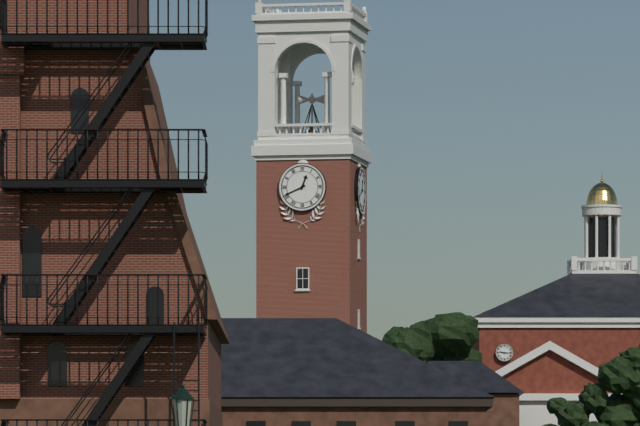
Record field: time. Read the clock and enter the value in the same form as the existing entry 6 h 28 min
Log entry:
12 h 41 min
